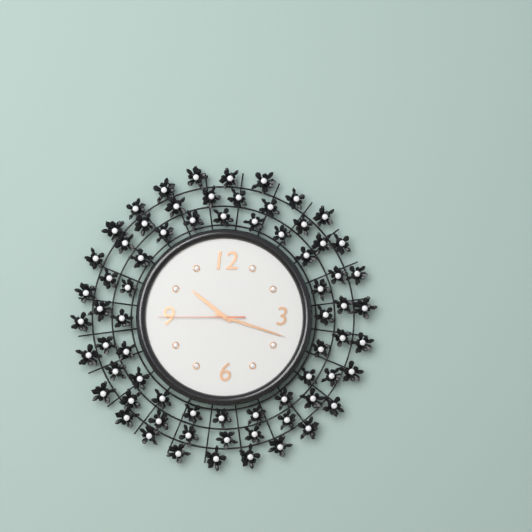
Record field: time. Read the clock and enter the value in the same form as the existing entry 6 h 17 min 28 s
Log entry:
10 h 18 min 45 s
